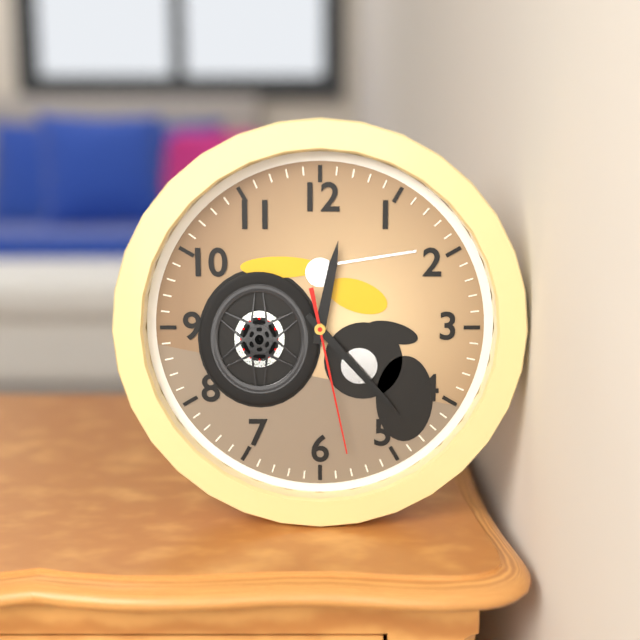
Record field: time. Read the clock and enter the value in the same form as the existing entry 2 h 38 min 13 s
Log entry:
12 h 23 min 28 s
